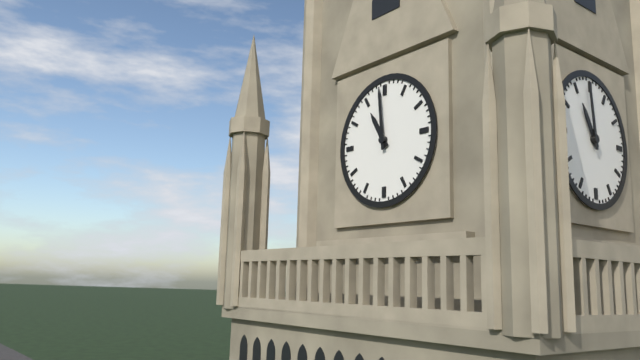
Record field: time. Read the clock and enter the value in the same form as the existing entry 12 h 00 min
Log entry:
10 h 59 min
